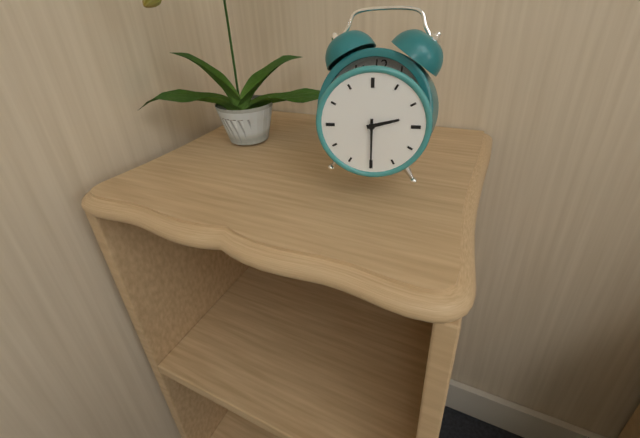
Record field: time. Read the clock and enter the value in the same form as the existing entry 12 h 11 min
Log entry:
2 h 30 min
